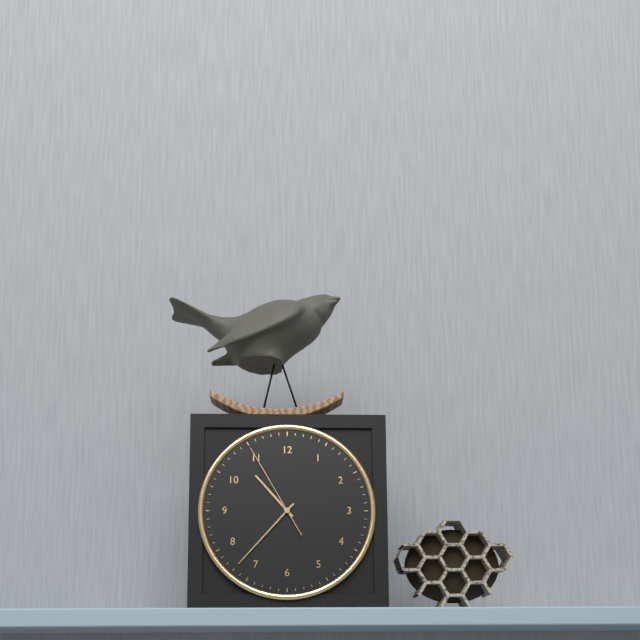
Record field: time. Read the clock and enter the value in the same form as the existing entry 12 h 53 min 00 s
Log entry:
10 h 37 min 55 s
